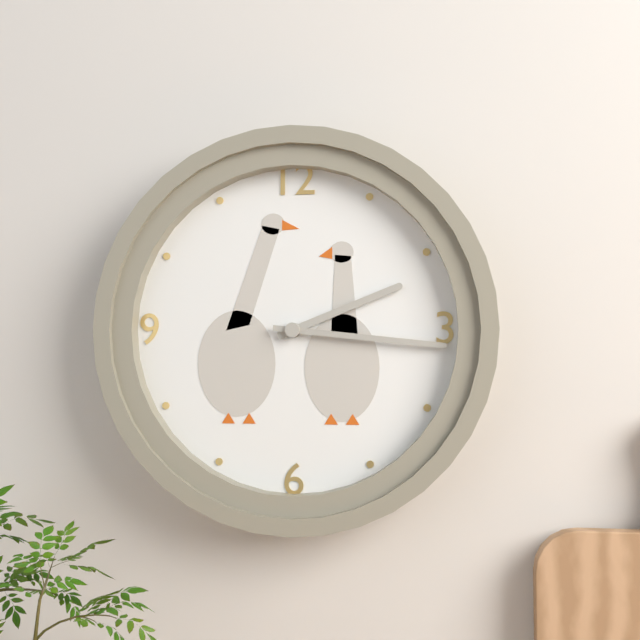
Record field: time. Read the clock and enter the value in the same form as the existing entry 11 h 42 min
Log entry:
2 h 16 min
